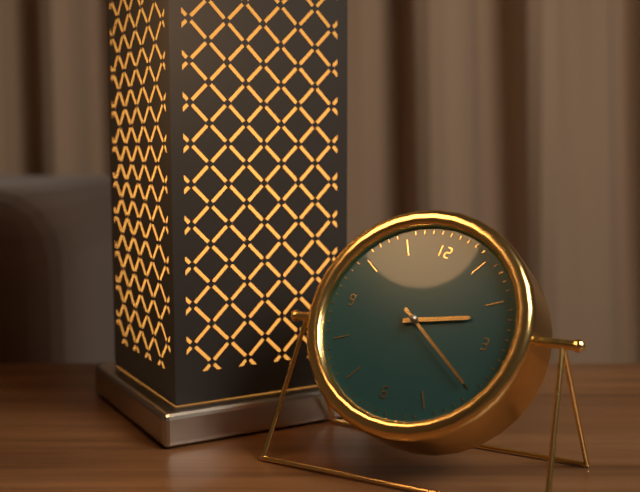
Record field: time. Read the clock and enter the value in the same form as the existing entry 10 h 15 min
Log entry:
2 h 20 min
